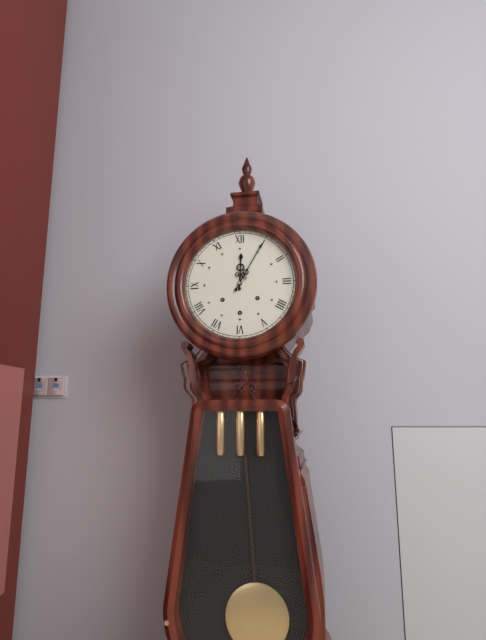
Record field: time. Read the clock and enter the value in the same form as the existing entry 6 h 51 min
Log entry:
12 h 05 min
